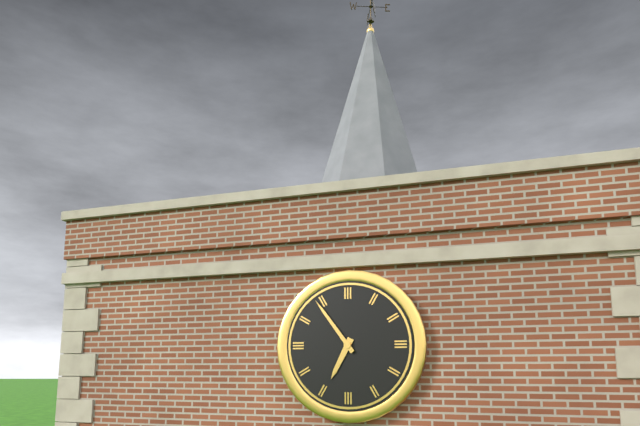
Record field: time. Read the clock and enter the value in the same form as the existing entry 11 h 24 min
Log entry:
6 h 54 min
